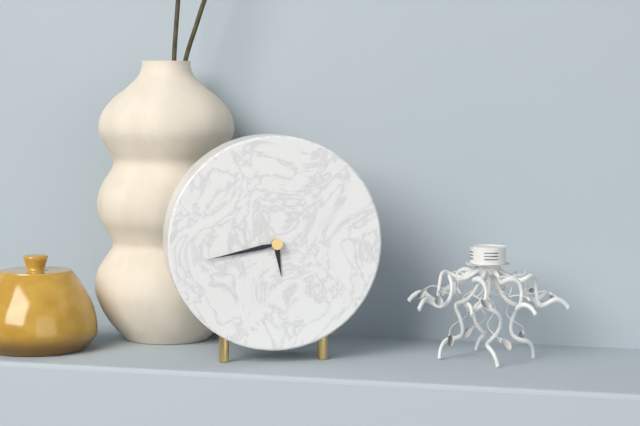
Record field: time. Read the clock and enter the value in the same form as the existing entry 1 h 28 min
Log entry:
5 h 43 min
